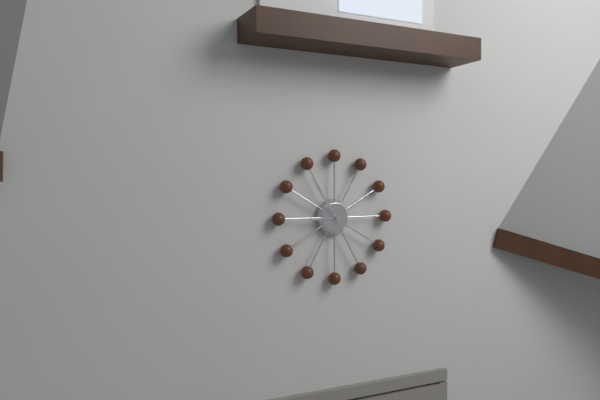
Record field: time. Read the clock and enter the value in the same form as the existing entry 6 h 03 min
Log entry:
8 h 54 min
